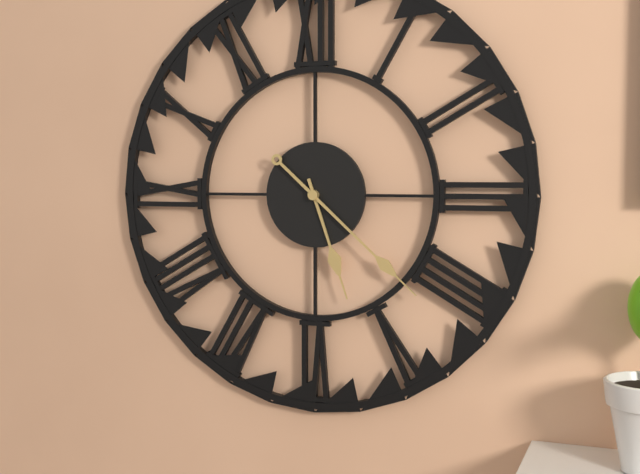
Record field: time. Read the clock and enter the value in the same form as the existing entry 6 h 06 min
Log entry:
5 h 22 min
